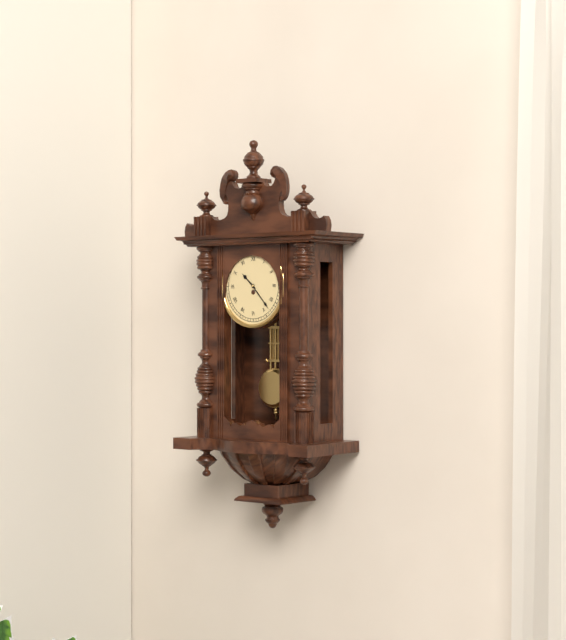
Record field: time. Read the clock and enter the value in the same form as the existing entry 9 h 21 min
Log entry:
10 h 23 min
